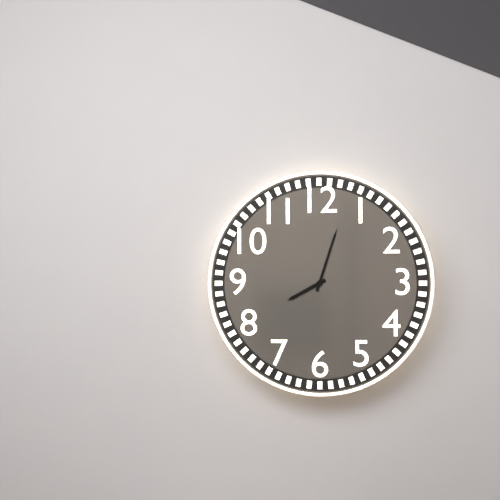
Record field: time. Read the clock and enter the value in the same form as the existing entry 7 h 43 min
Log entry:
8 h 03 min
